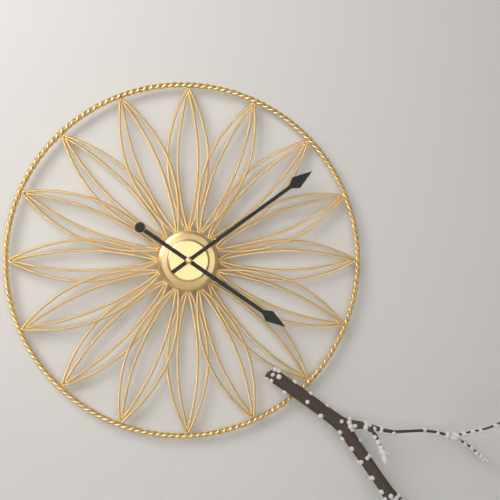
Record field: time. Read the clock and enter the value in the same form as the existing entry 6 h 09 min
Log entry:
4 h 09 min
